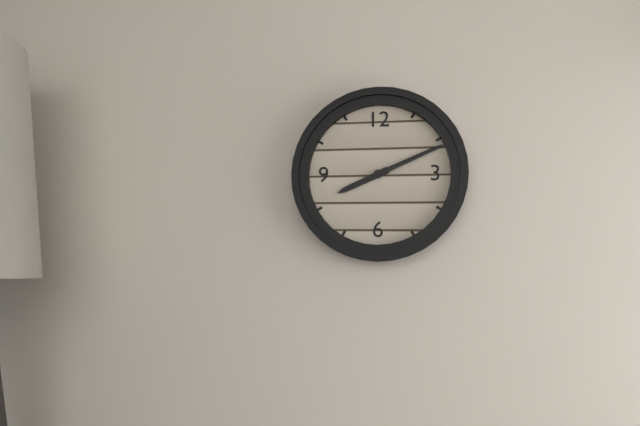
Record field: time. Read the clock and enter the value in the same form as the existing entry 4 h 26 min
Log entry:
8 h 11 min
